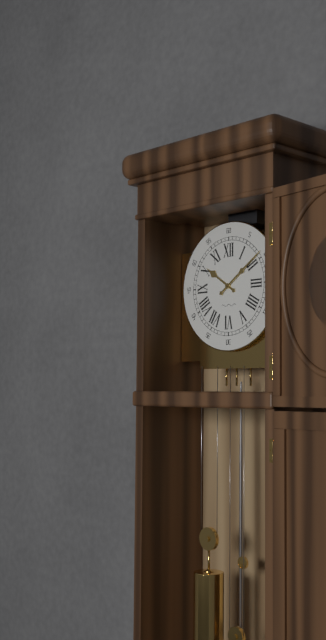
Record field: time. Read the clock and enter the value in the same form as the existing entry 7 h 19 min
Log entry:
10 h 09 min
